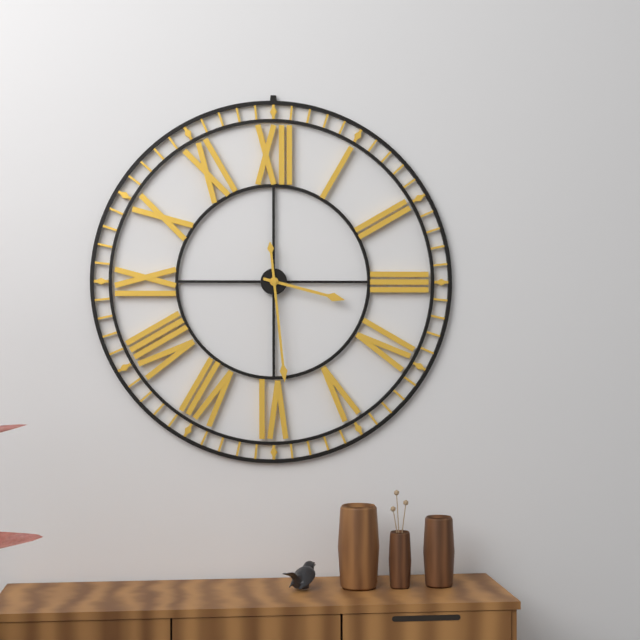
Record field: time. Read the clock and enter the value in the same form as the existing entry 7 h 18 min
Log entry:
3 h 29 min
